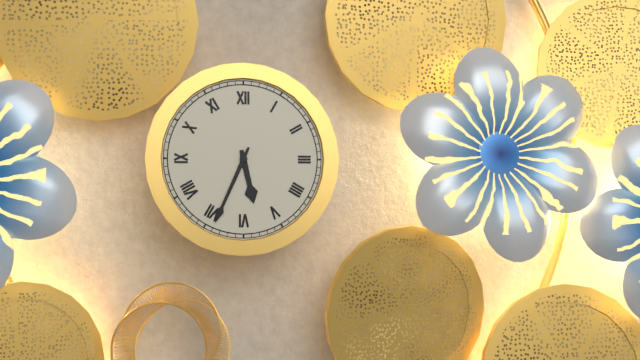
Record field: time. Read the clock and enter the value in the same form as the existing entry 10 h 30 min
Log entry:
5 h 34 min
